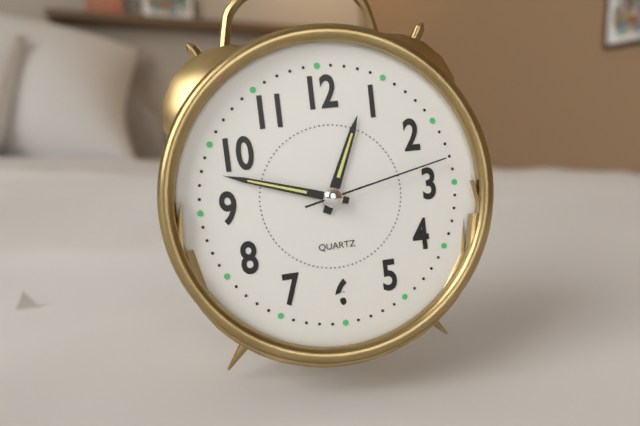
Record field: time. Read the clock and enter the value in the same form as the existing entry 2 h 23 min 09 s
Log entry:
12 h 48 min 13 s
